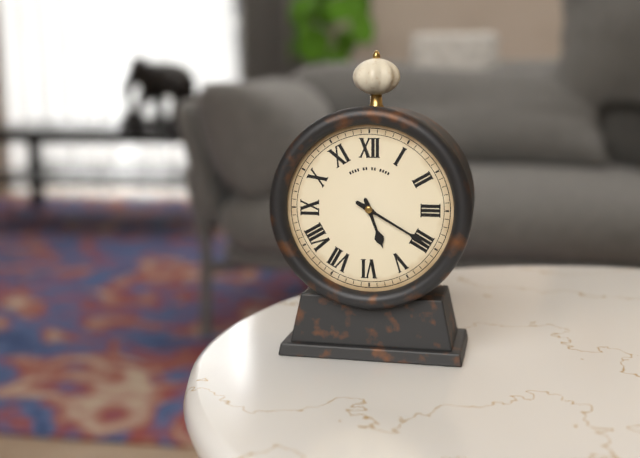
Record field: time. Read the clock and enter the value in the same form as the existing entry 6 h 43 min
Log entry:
5 h 20 min
